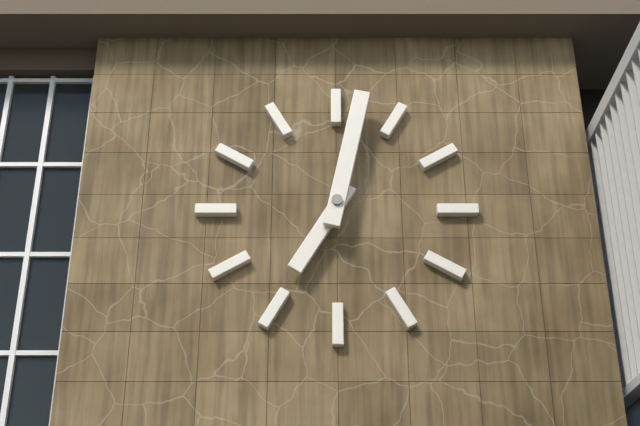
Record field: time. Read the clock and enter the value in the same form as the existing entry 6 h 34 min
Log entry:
7 h 02 min
